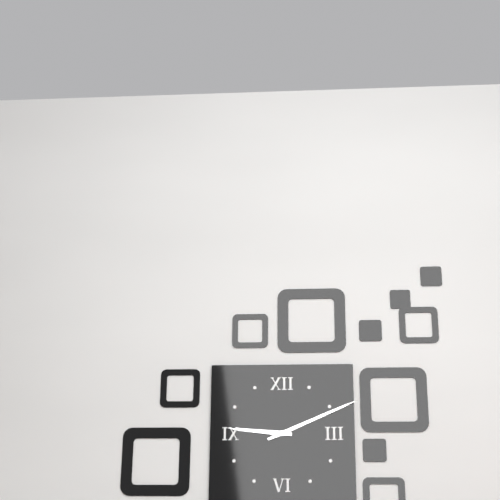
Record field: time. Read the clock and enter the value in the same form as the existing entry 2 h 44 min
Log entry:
9 h 11 min
